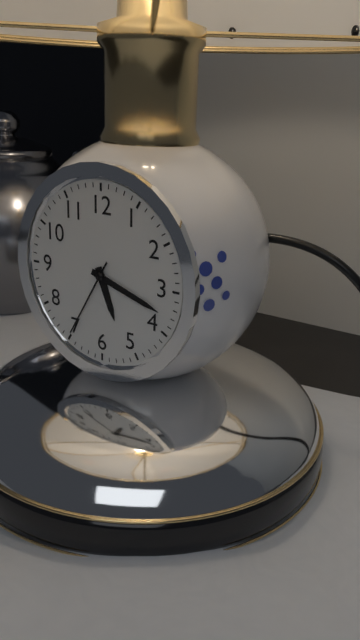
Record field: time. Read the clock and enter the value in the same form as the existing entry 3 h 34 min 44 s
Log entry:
5 h 18 min 35 s
